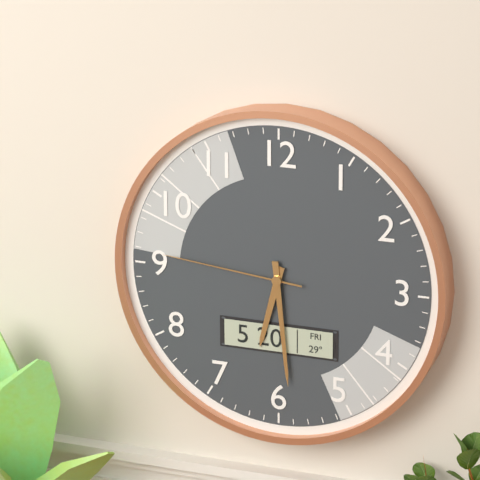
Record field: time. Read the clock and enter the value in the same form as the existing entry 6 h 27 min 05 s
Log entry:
6 h 29 min 46 s
